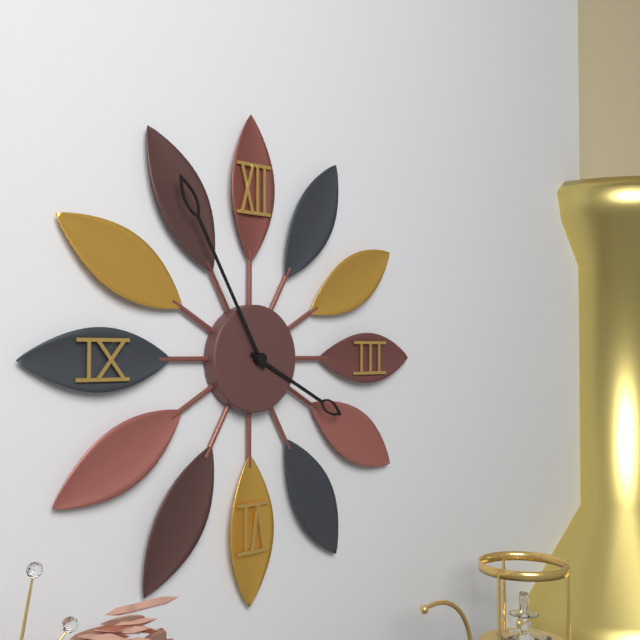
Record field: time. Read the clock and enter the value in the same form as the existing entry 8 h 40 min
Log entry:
3 h 55 min
